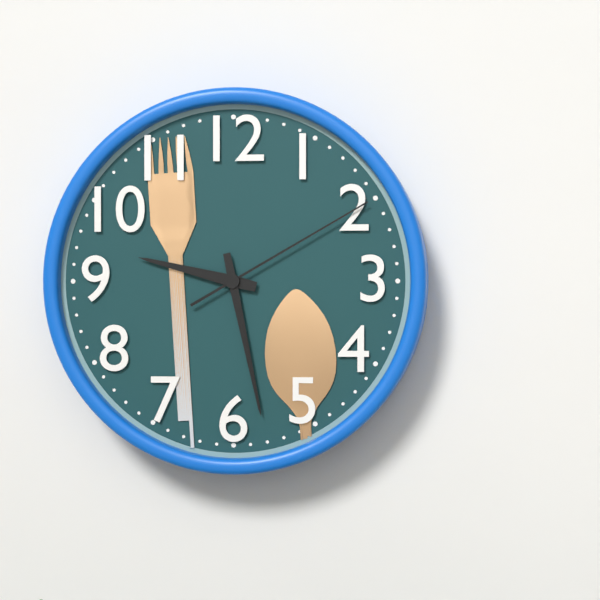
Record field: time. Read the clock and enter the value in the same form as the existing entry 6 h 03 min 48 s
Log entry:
9 h 28 min 10 s
